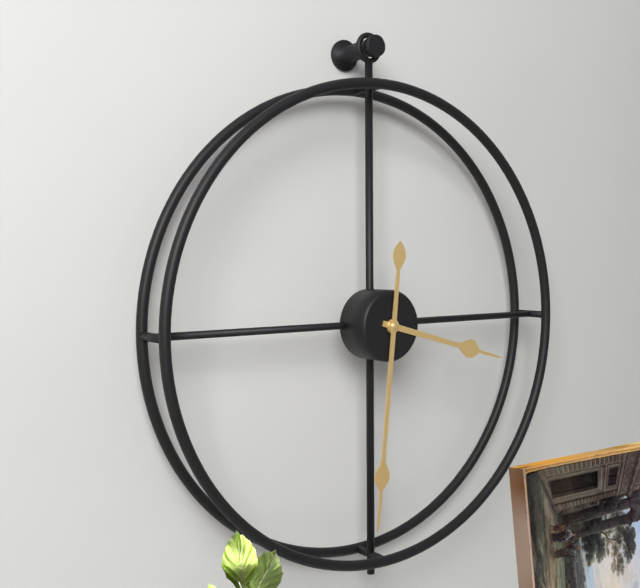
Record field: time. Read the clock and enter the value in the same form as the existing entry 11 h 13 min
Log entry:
3 h 31 min
